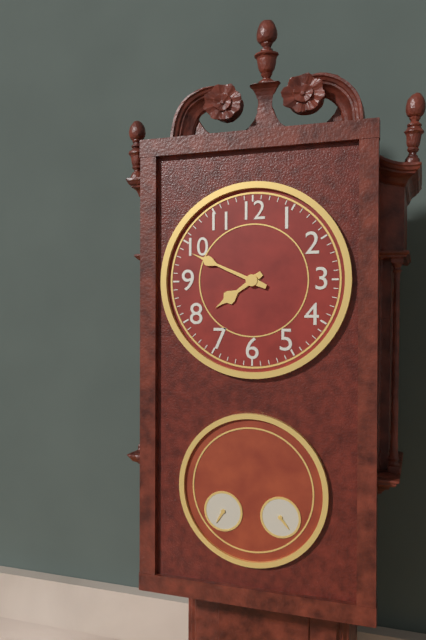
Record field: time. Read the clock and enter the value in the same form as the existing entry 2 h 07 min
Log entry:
7 h 49 min
